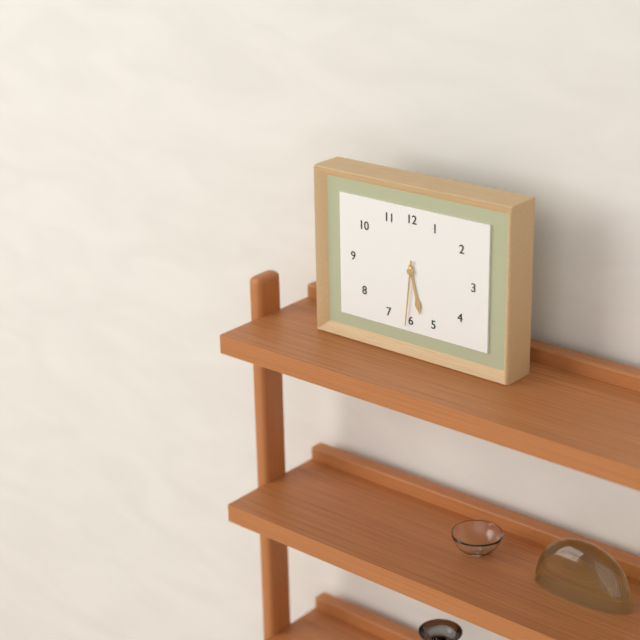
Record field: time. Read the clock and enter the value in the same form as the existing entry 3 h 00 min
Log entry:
5 h 31 min
